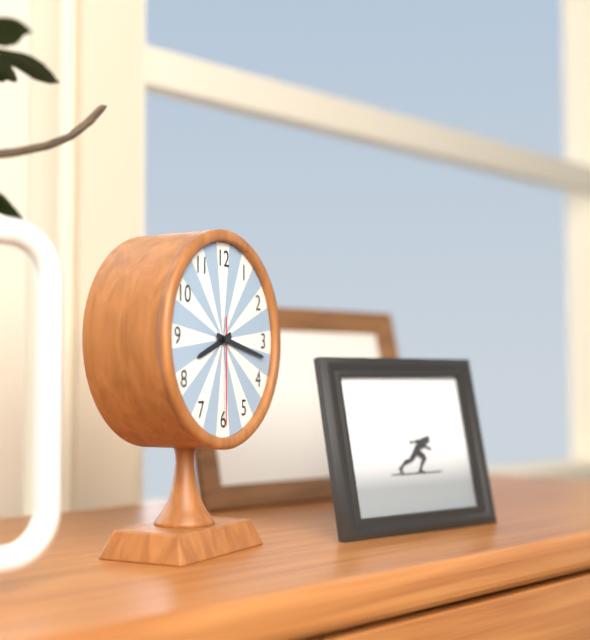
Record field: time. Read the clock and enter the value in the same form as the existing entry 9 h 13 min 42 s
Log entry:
8 h 17 min 30 s
